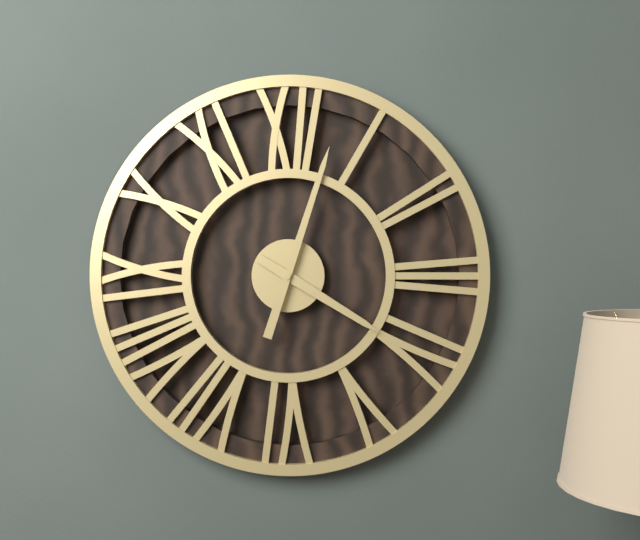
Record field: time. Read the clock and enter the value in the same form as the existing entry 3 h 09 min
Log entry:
4 h 03 min
